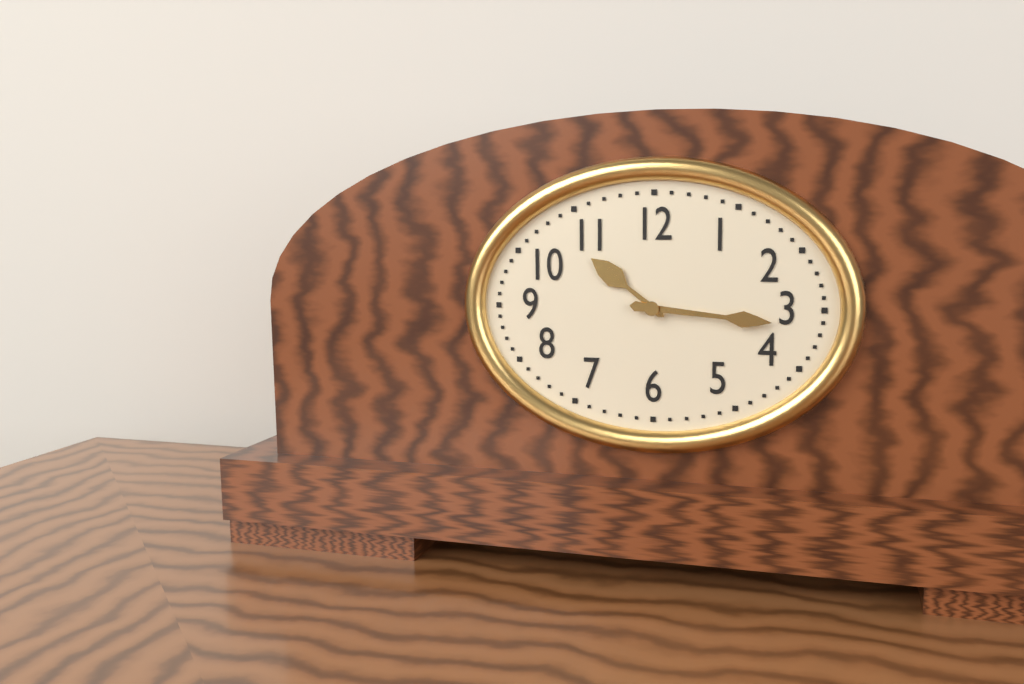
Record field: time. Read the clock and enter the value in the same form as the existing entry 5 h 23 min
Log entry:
10 h 16 min
